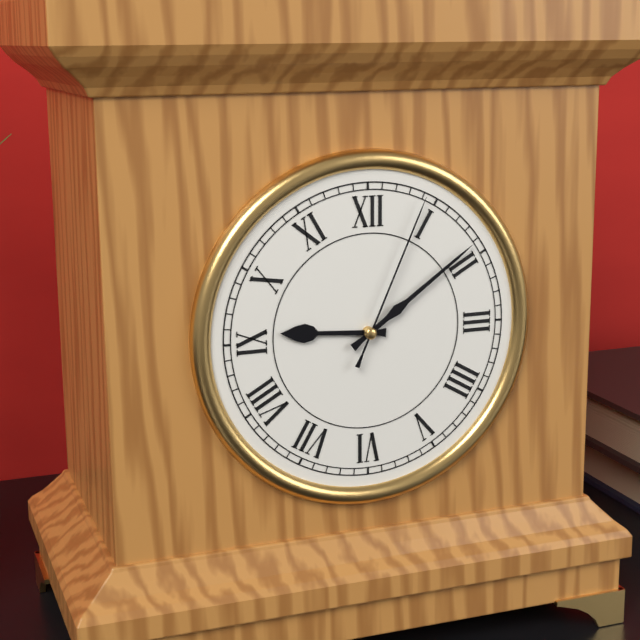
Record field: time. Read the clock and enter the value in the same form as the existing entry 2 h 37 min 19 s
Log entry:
9 h 09 min 04 s
